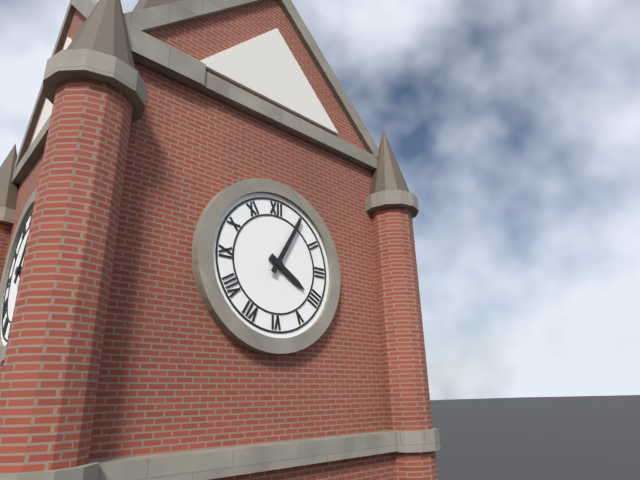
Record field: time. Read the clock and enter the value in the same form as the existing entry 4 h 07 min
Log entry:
4 h 05 min
